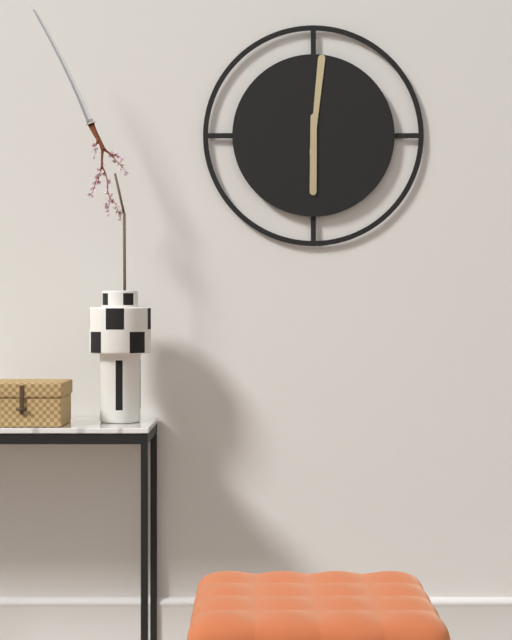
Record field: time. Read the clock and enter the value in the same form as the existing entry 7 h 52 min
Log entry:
6 h 01 min
